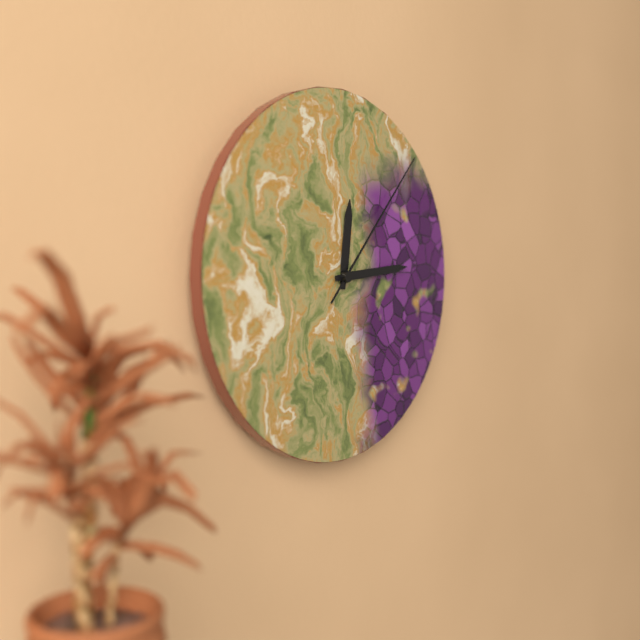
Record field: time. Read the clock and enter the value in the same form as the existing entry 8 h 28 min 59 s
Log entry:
12 h 14 min 07 s
